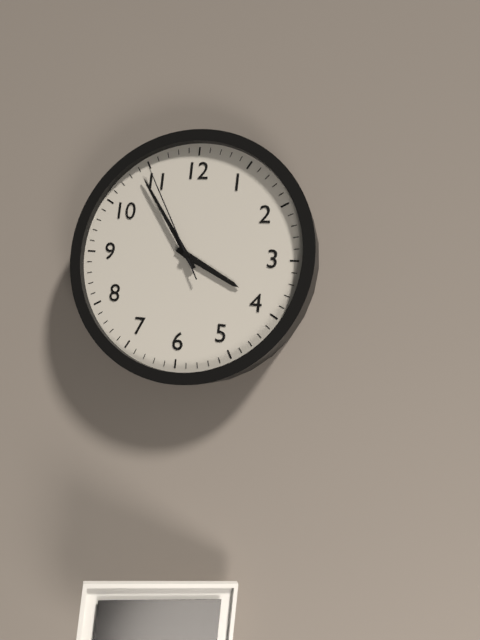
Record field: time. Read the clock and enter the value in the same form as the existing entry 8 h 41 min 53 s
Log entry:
3 h 54 min 55 s
